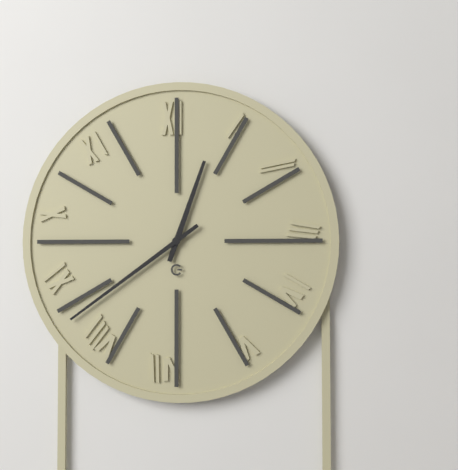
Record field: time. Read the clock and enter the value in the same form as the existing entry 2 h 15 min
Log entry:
12 h 39 min
